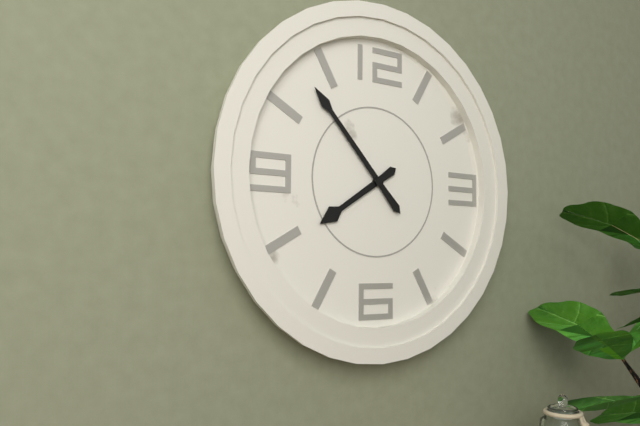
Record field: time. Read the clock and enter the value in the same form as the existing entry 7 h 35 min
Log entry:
7 h 53 min
